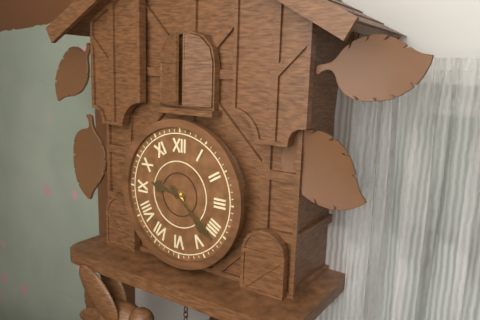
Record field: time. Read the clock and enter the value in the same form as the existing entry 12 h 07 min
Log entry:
9 h 22 min
